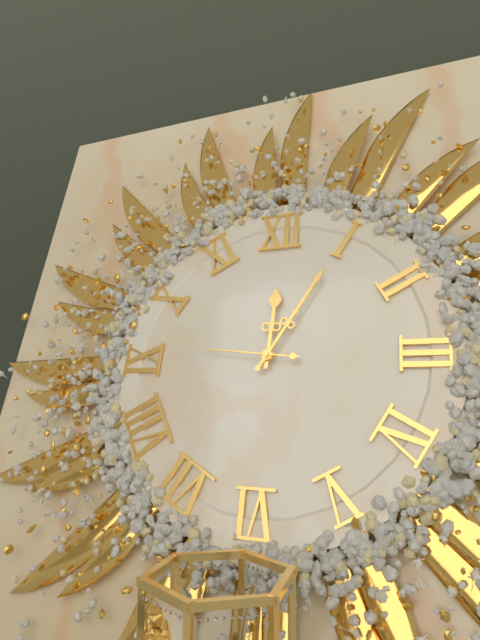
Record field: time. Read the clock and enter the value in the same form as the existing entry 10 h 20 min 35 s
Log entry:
12 h 05 min 46 s
